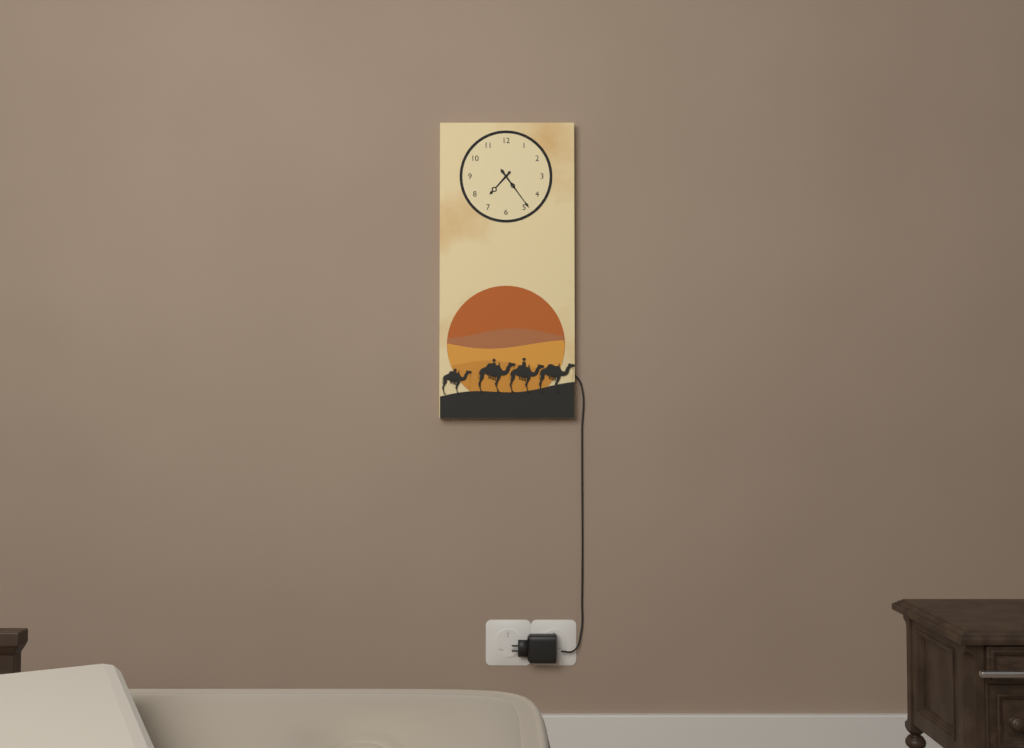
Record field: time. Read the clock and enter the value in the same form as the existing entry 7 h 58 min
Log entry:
7 h 24 min
